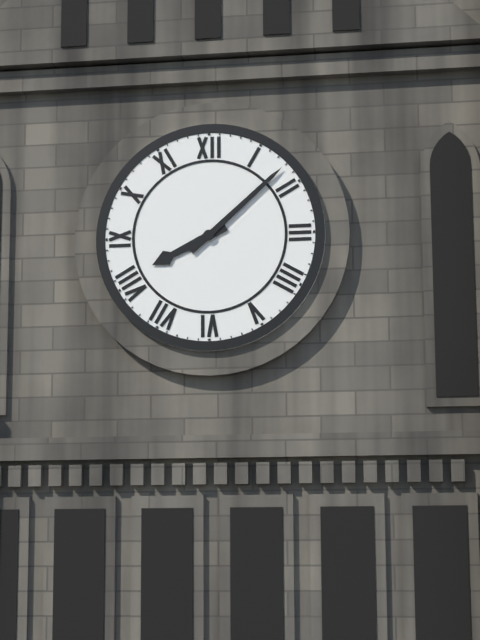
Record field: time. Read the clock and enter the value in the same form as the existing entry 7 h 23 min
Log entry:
8 h 08 min
